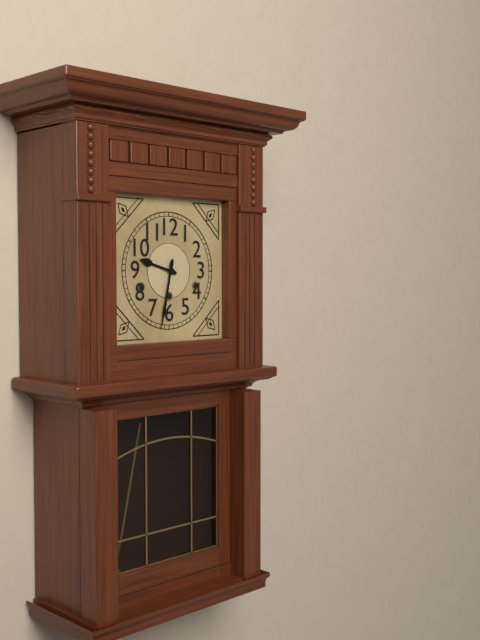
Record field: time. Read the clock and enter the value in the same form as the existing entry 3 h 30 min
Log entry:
9 h 32 min
